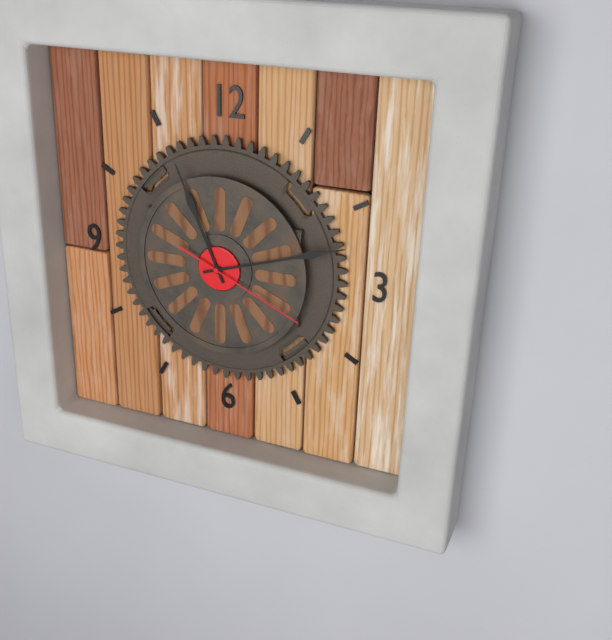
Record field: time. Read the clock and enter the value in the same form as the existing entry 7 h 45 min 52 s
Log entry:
11 h 12 min 19 s
